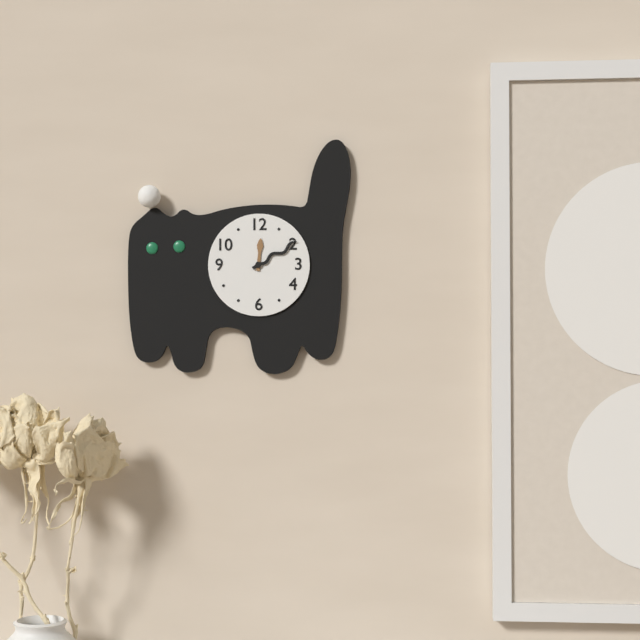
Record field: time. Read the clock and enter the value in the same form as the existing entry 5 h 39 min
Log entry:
12 h 10 min
